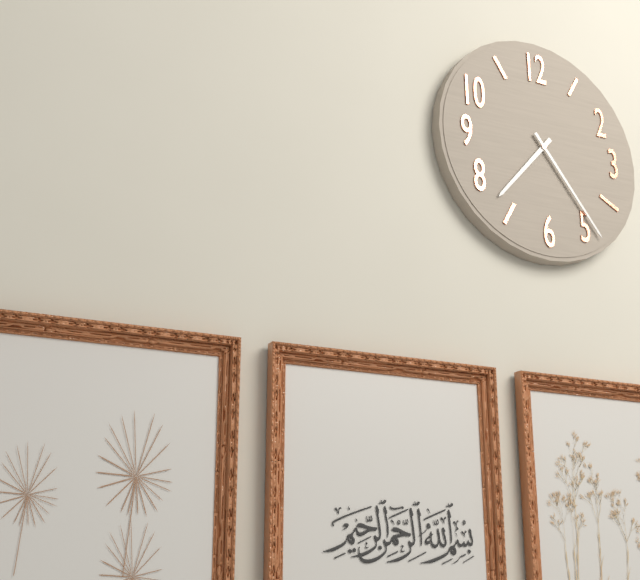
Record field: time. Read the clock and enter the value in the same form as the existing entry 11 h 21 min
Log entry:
7 h 24 min
